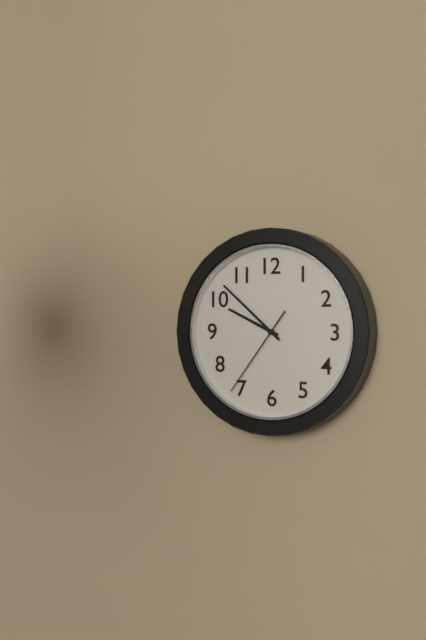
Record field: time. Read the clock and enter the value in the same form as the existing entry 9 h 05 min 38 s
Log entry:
9 h 52 min 36 s
